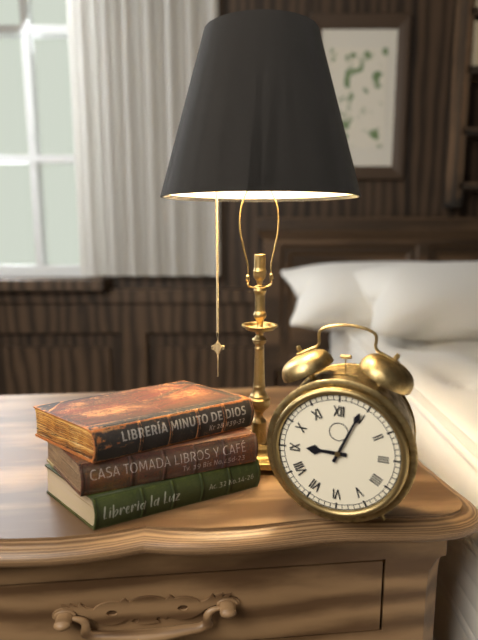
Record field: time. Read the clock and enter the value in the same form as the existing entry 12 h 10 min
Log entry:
9 h 04 min
